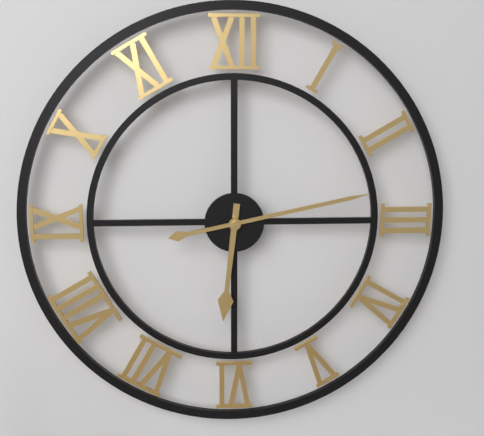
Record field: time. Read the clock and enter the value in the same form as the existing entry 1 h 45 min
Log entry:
6 h 13 min
